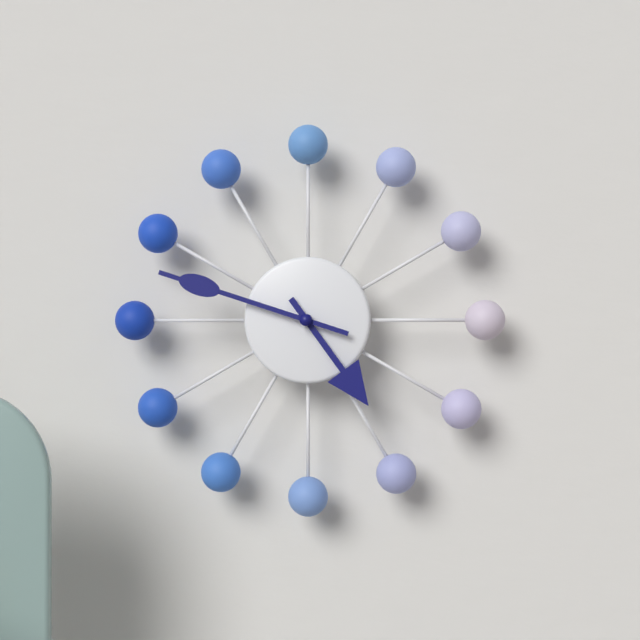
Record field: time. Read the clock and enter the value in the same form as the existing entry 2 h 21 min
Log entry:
4 h 48 min
